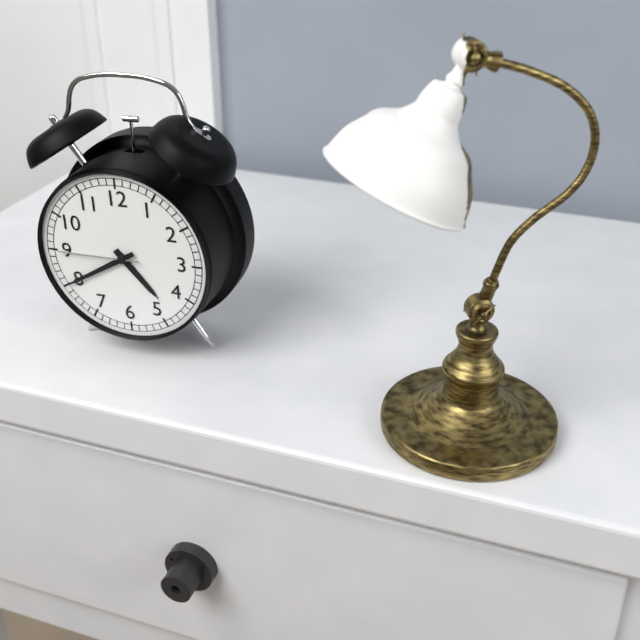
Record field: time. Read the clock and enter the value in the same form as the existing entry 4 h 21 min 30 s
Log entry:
4 h 40 min 45 s
